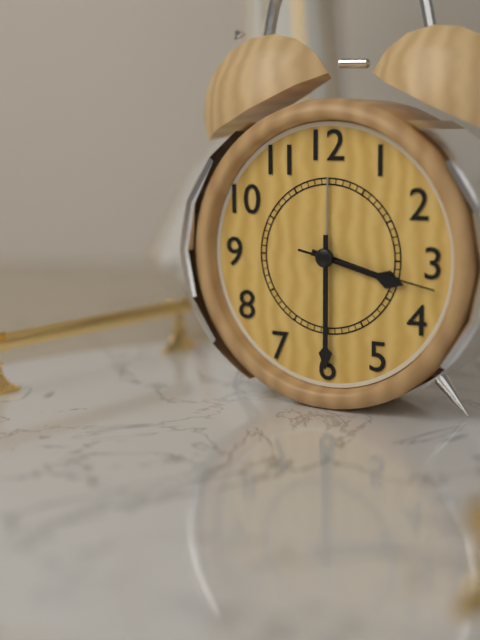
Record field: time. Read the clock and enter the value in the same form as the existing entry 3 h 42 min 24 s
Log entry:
3 h 30 min 17 s
